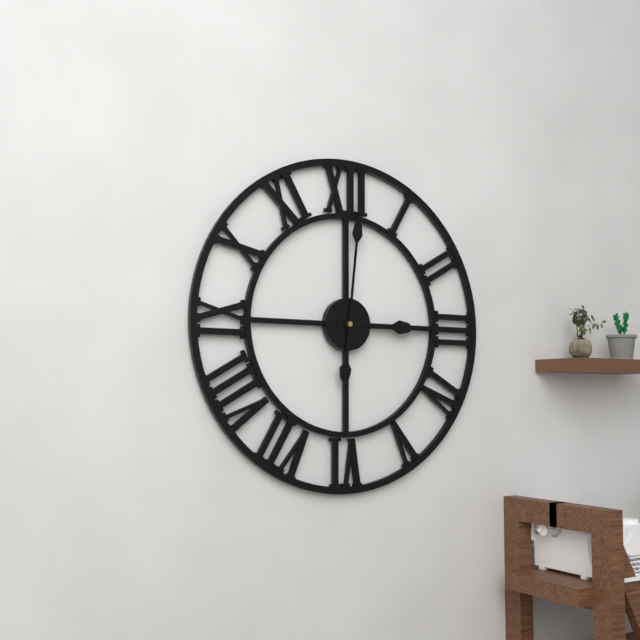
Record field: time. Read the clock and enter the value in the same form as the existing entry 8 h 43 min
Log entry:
3 h 01 min
